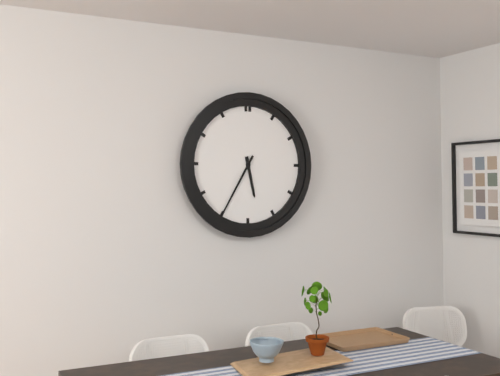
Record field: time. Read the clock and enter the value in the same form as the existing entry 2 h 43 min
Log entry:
5 h 35 min
